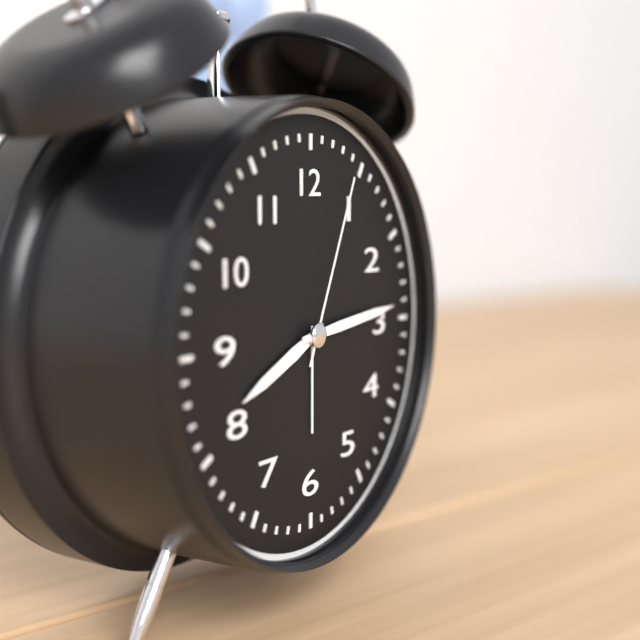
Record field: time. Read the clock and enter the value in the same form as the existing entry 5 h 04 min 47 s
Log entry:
8 h 14 min 04 s
